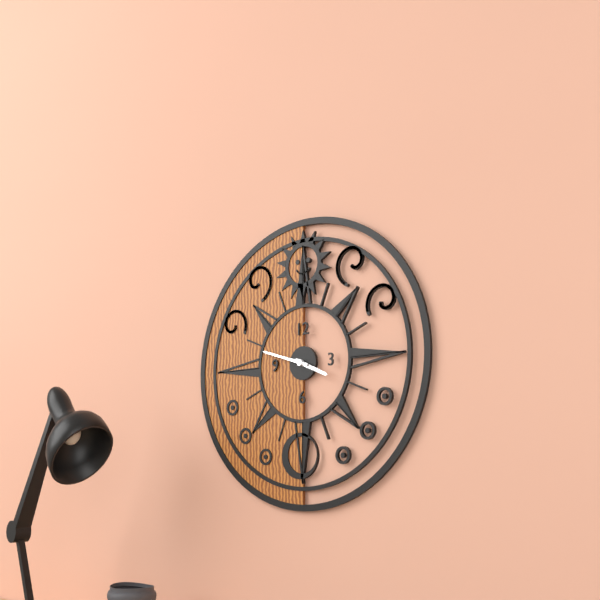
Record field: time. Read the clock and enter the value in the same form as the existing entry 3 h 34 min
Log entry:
3 h 48 min
